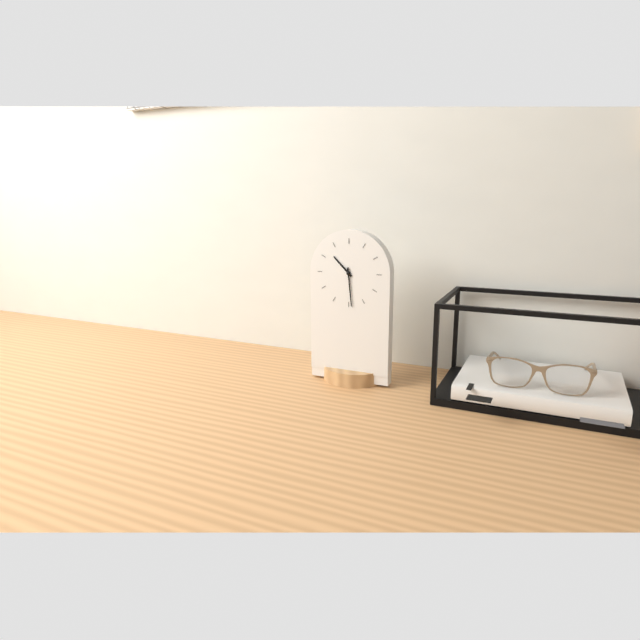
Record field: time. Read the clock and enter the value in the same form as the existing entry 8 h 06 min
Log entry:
10 h 29 min
